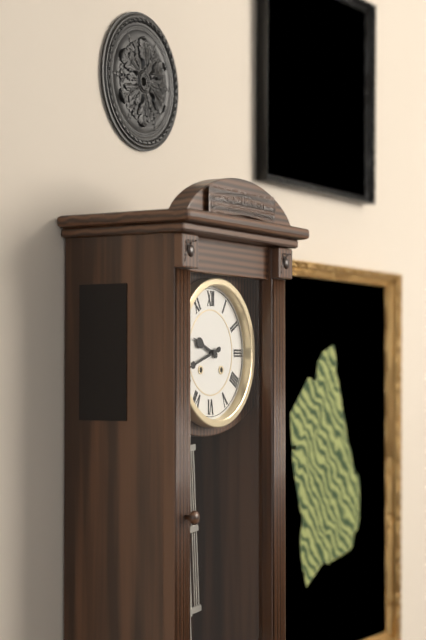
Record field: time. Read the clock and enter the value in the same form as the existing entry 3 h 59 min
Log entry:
9 h 42 min
